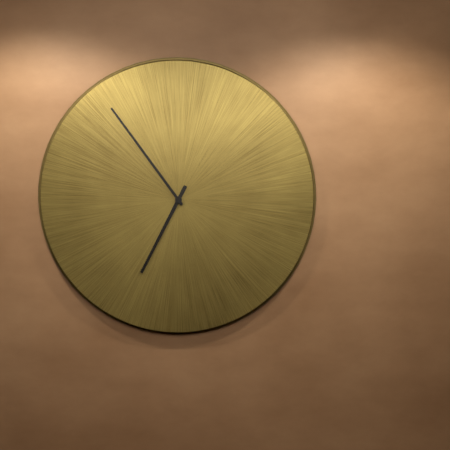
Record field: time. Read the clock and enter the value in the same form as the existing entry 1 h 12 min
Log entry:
6 h 54 min
